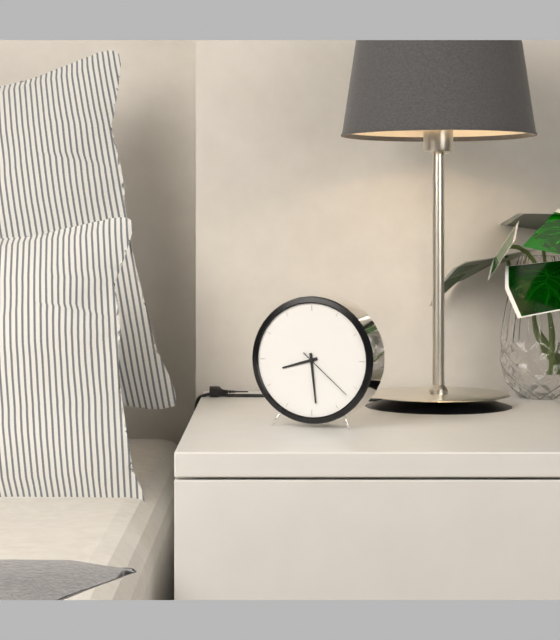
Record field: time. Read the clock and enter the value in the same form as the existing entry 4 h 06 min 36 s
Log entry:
8 h 29 min 22 s
